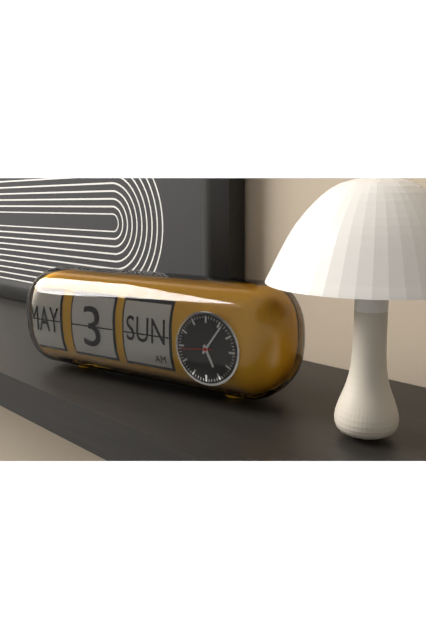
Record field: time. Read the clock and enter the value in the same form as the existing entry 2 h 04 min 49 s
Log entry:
5 h 06 min 44 s
